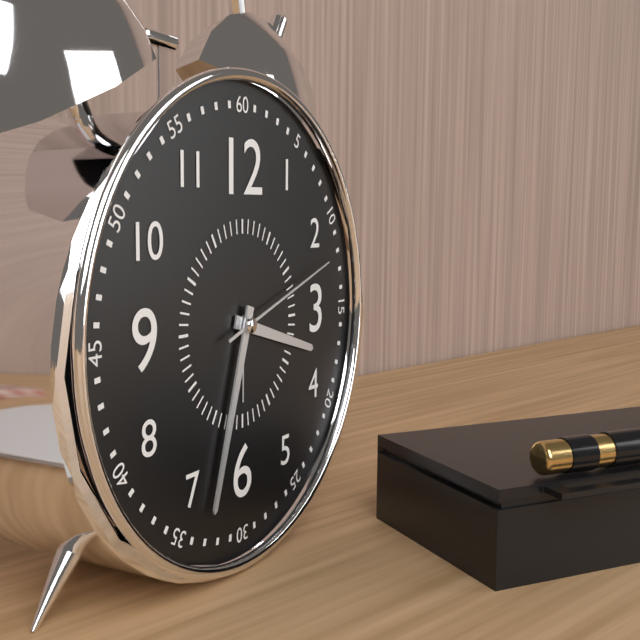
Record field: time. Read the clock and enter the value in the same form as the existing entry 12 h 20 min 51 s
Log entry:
3 h 33 min 12 s
